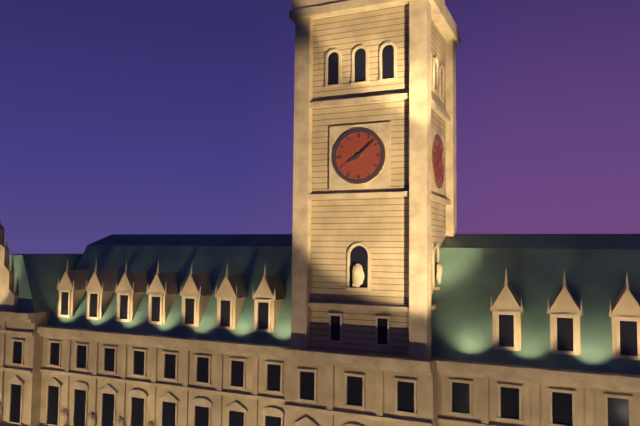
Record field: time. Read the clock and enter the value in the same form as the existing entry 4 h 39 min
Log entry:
8 h 08 min
